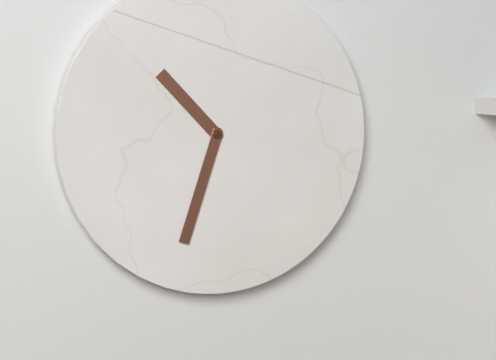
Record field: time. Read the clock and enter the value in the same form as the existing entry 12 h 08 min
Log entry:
10 h 33 min
